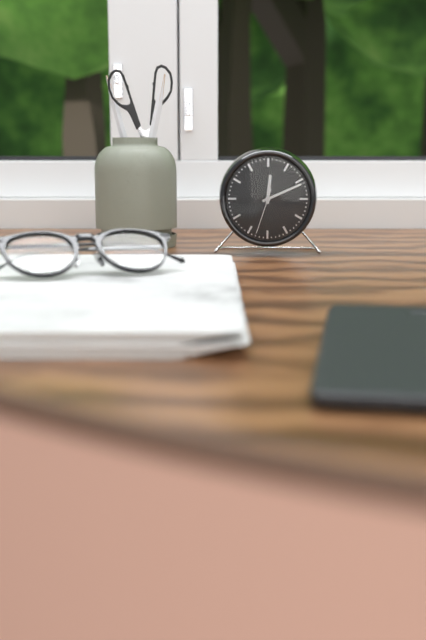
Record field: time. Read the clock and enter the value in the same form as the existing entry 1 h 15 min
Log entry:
12 h 11 min
